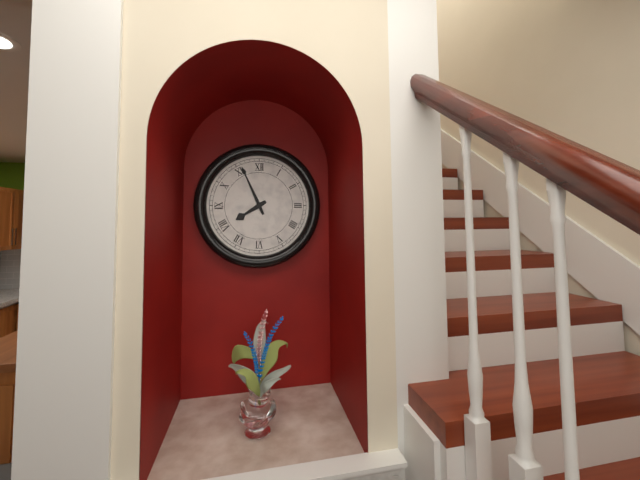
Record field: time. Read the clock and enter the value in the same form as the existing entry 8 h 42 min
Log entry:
7 h 56 min
